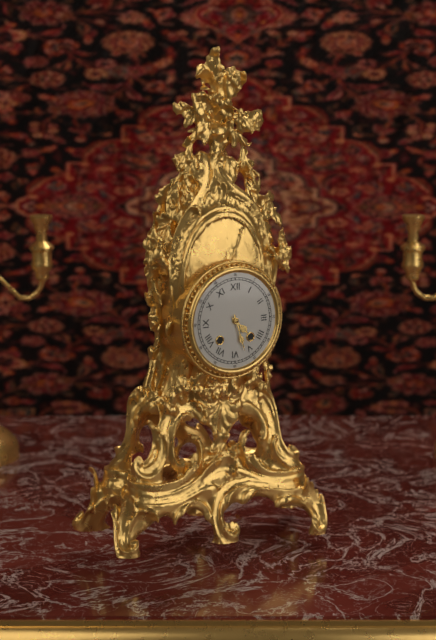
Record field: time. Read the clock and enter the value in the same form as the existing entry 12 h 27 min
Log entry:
4 h 27 min
